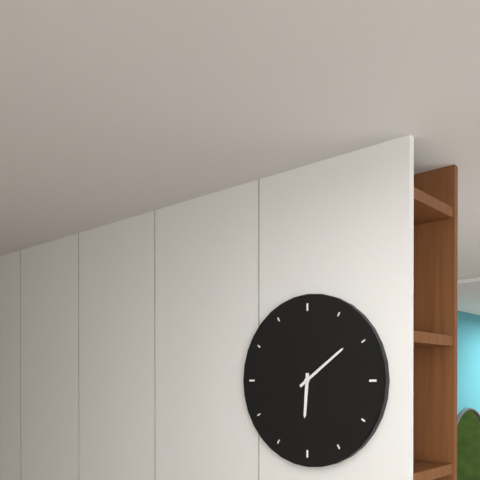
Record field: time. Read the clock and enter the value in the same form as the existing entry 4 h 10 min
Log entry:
6 h 09 min
